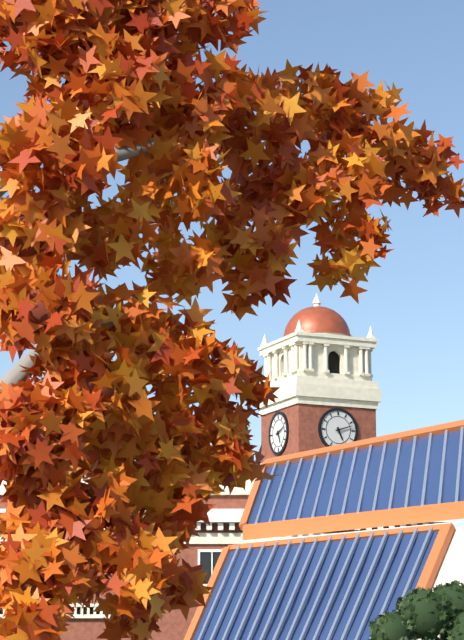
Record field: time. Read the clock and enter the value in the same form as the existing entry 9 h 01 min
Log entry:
5 h 12 min
